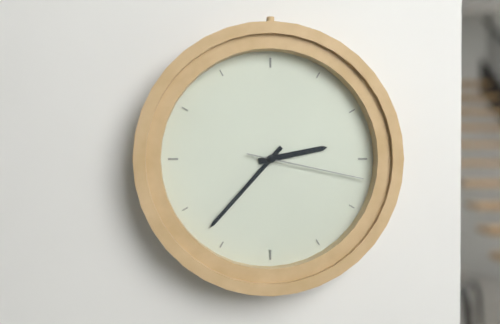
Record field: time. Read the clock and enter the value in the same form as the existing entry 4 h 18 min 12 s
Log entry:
2 h 37 min 17 s
